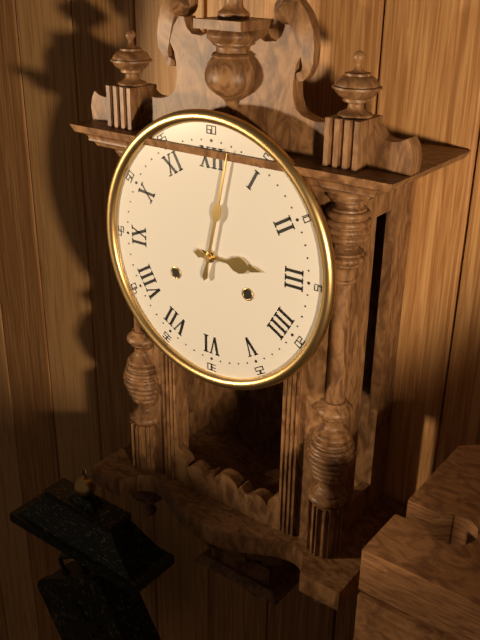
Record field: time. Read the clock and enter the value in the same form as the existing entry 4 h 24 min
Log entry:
3 h 02 min
